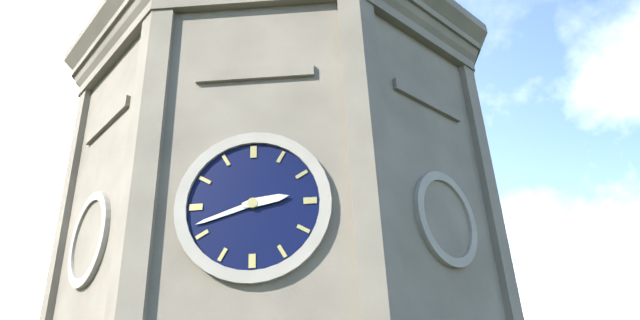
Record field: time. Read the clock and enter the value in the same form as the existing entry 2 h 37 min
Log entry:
2 h 42 min
